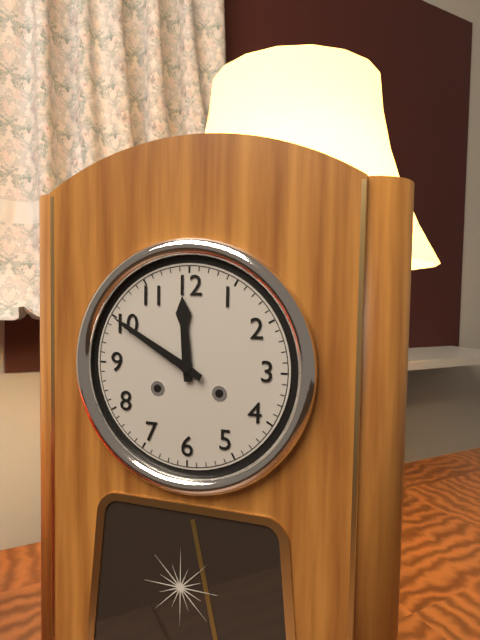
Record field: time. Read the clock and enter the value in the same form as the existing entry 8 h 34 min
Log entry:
11 h 50 min
